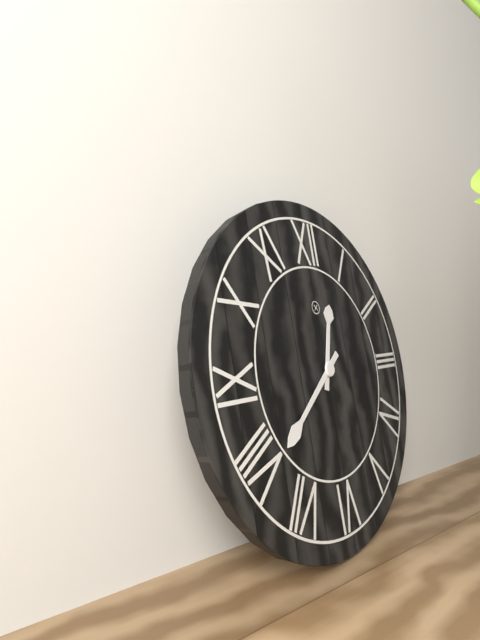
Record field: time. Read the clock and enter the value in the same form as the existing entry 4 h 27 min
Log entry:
12 h 39 min
